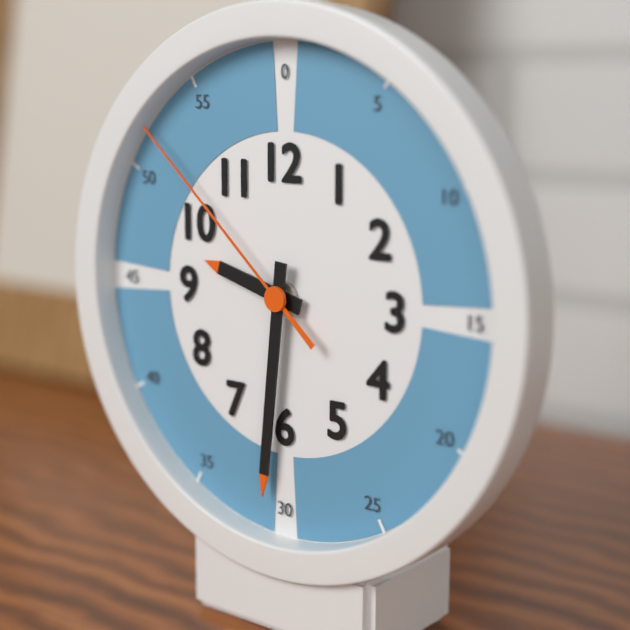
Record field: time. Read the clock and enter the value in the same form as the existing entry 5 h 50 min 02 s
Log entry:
9 h 31 min 52 s
